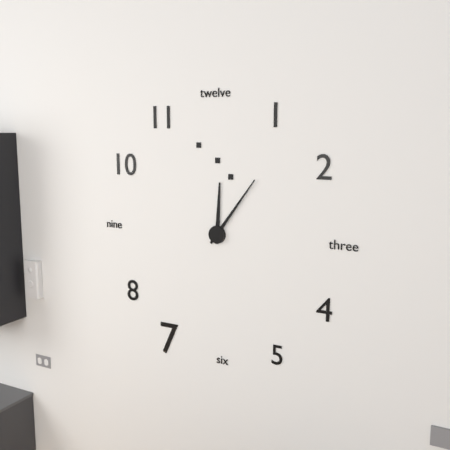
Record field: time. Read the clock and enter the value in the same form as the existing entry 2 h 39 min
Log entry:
12 h 06 min
